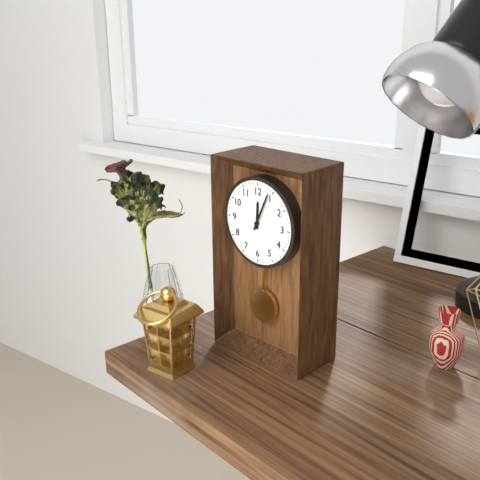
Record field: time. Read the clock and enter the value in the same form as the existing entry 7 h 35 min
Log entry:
12 h 04 min
